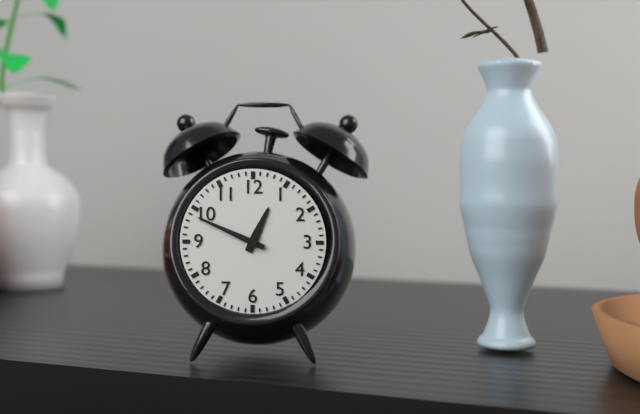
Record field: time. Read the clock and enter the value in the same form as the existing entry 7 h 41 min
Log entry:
12 h 49 min
